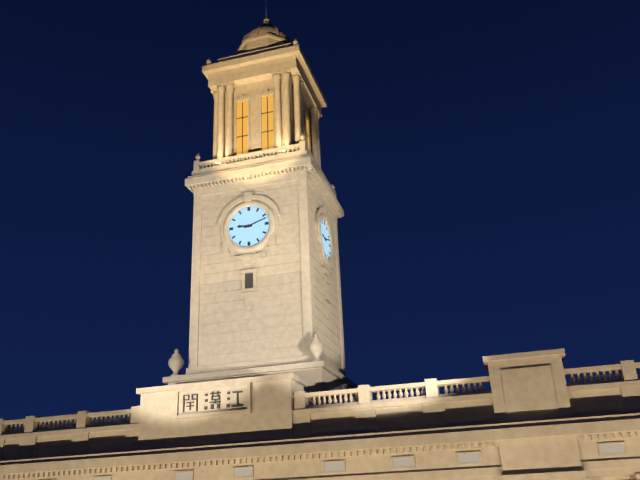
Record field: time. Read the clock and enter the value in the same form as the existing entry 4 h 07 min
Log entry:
9 h 12 min
